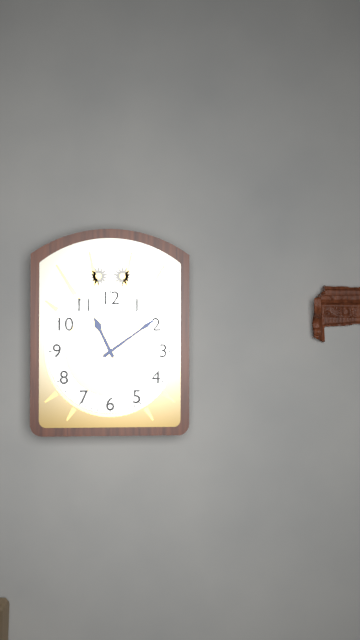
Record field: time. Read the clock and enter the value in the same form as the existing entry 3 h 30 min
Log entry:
11 h 09 min
